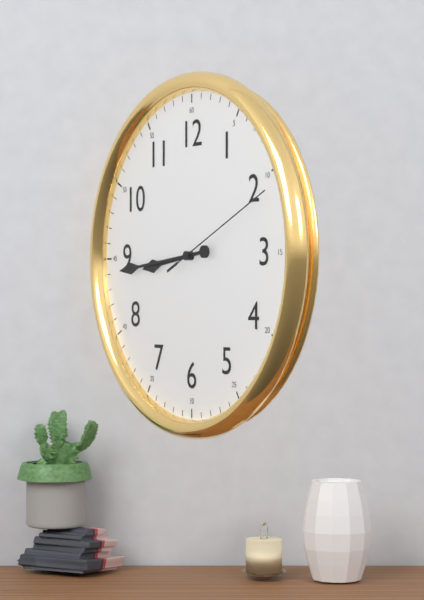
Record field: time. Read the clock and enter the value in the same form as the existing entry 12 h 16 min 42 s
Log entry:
8 h 44 min 11 s
